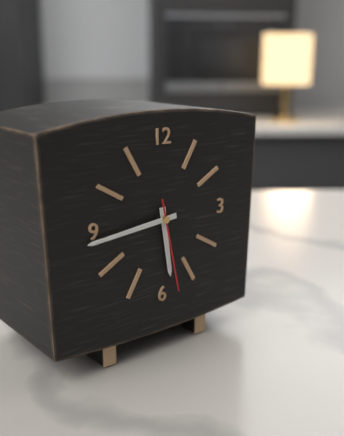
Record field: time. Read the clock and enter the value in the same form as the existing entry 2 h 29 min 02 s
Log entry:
5 h 44 min 28 s
